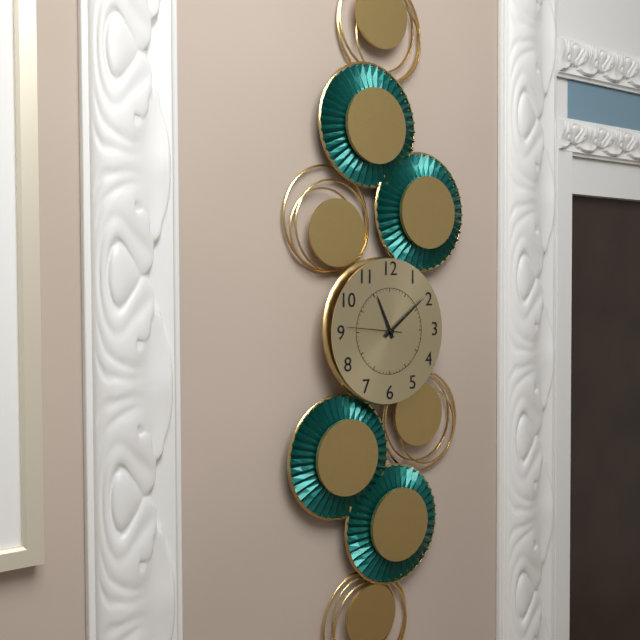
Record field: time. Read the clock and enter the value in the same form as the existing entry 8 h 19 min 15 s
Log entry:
11 h 09 min 46 s
